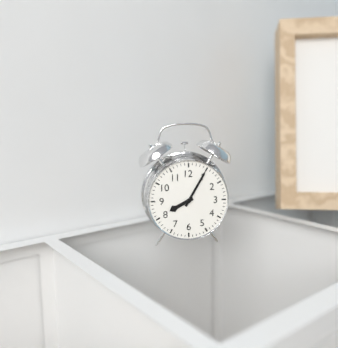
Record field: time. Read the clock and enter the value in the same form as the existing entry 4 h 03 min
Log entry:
8 h 05 min
